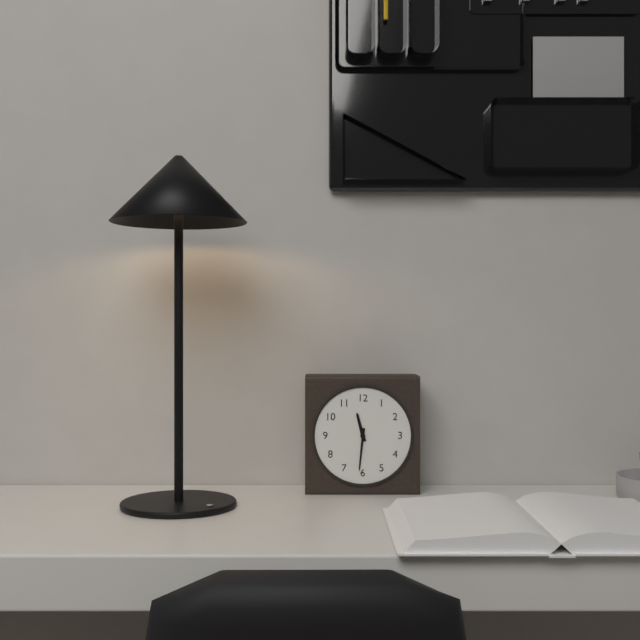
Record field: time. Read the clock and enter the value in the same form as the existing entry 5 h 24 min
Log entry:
11 h 31 min
